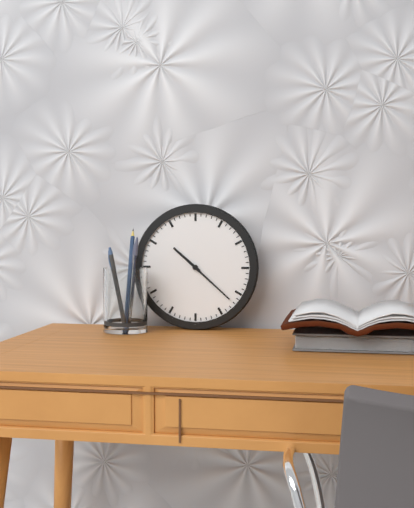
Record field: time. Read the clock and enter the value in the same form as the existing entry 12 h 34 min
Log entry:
10 h 22 min
